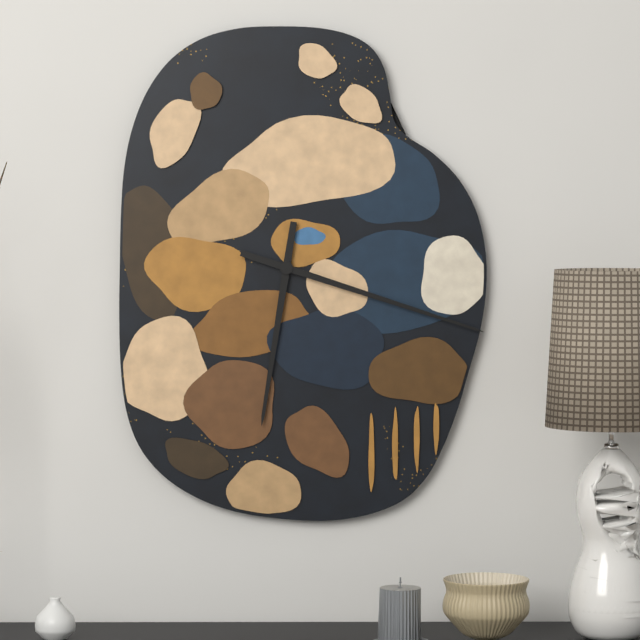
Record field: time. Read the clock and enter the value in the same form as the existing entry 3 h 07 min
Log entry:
6 h 18 min
